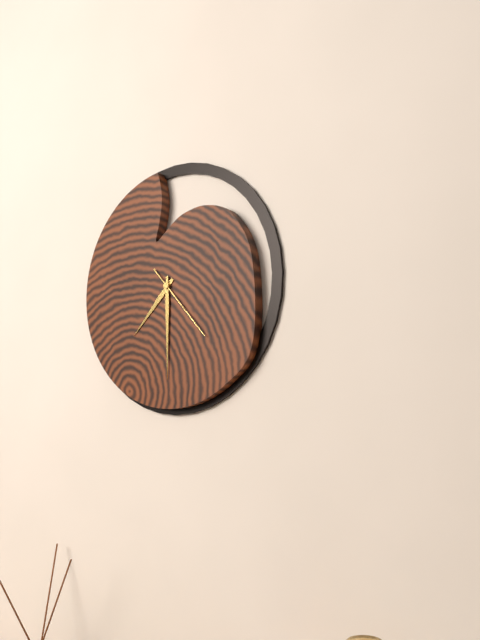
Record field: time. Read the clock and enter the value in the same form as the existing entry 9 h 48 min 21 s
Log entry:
7 h 30 min 23 s
